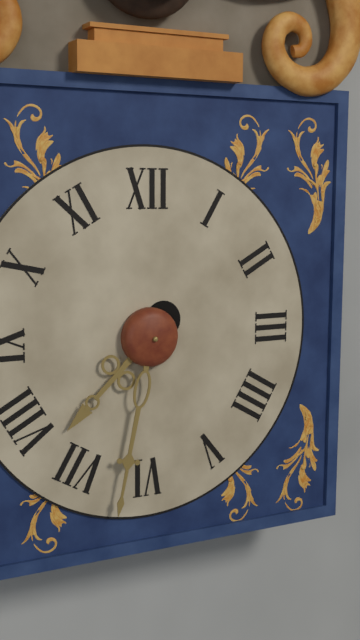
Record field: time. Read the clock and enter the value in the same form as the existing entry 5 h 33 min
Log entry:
7 h 32 min
